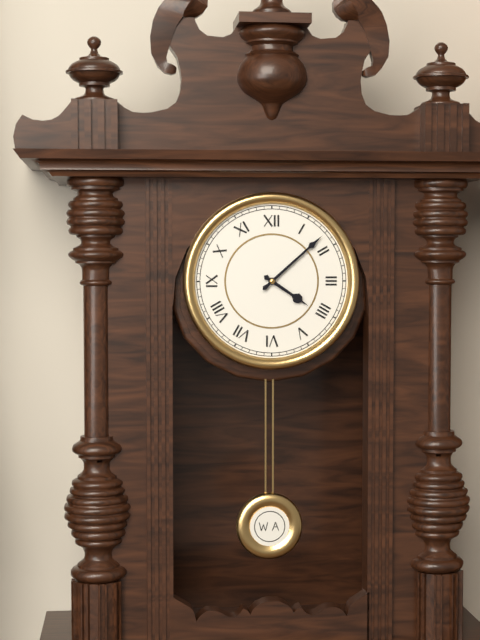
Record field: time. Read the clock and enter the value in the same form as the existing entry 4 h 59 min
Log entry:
4 h 08 min
